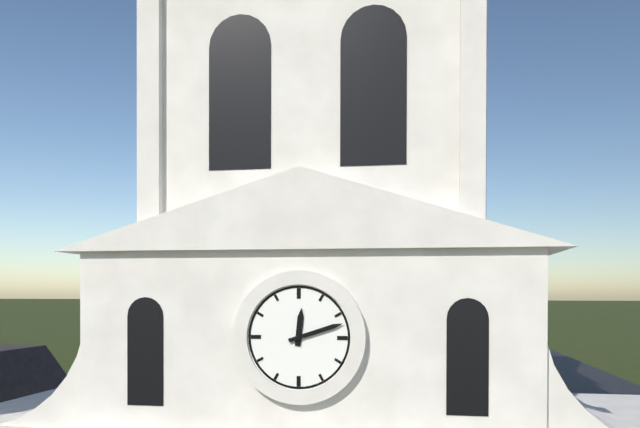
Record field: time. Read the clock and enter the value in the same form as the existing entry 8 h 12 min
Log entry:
12 h 12 min
